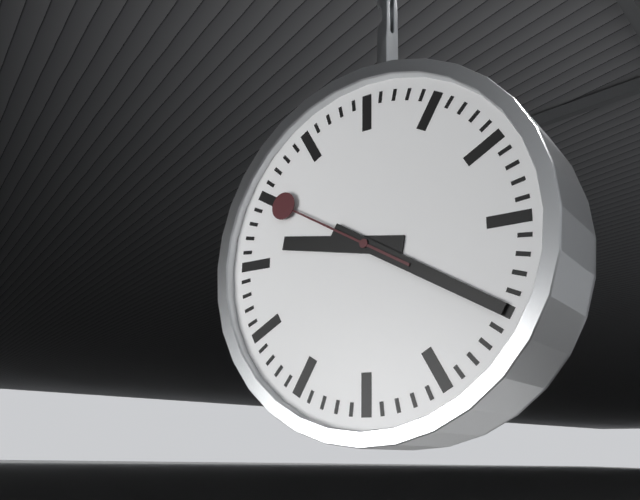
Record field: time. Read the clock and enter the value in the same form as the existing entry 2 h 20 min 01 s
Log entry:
9 h 20 min 50 s
